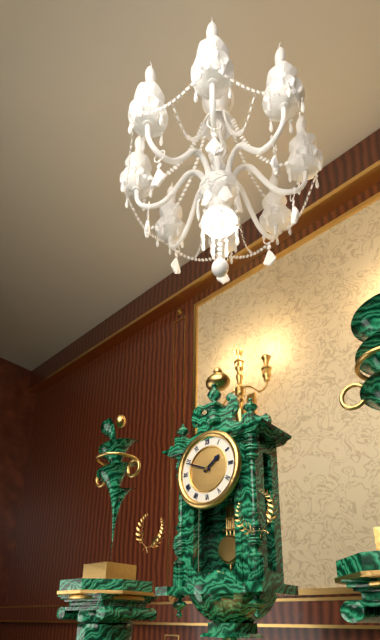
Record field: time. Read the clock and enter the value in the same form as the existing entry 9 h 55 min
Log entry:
1 h 49 min
